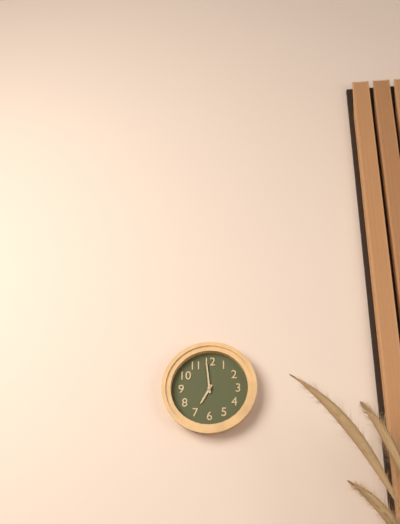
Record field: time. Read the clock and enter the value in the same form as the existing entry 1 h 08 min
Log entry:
6 h 59 min
